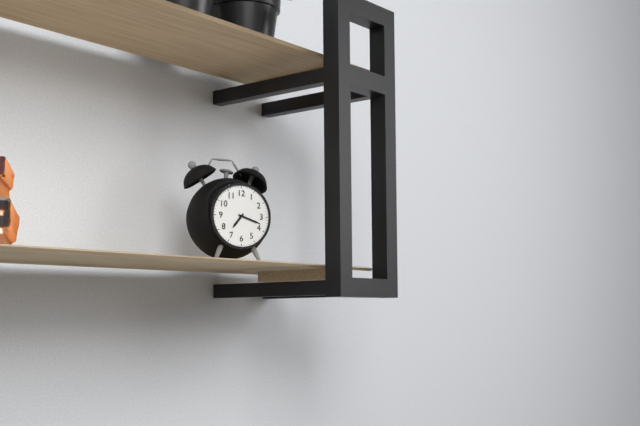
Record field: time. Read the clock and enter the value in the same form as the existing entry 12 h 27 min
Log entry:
7 h 18 min
